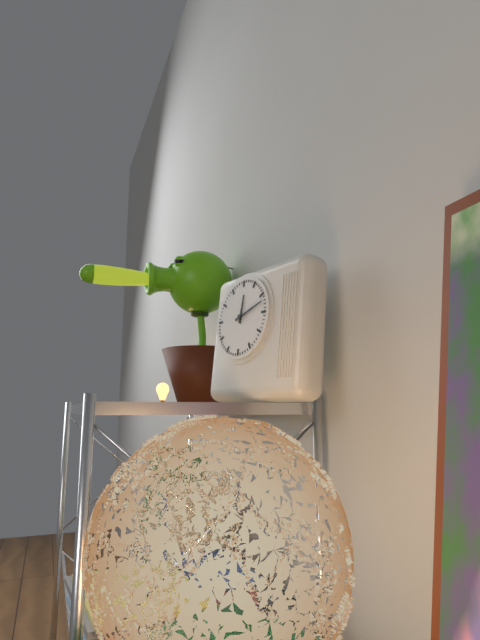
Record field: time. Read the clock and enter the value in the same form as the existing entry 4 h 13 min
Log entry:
12 h 12 min
